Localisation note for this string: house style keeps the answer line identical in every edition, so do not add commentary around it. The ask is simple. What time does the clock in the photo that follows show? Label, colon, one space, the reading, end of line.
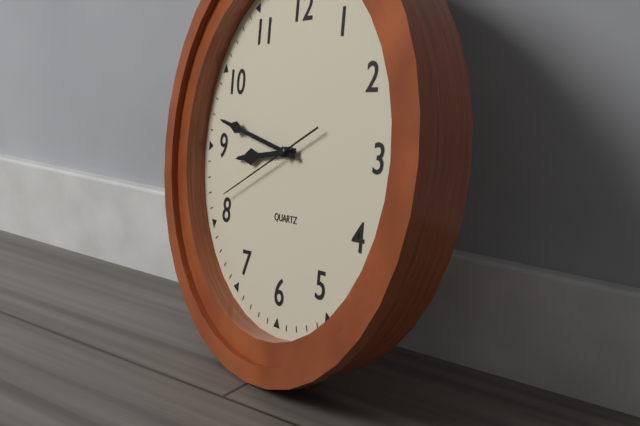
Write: 8:47:41
